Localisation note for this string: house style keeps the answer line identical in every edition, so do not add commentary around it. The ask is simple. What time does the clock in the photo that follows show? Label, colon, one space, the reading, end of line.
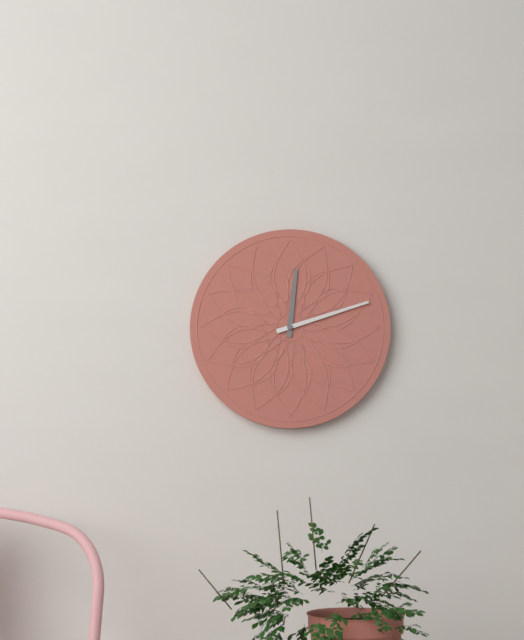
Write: 12:12
